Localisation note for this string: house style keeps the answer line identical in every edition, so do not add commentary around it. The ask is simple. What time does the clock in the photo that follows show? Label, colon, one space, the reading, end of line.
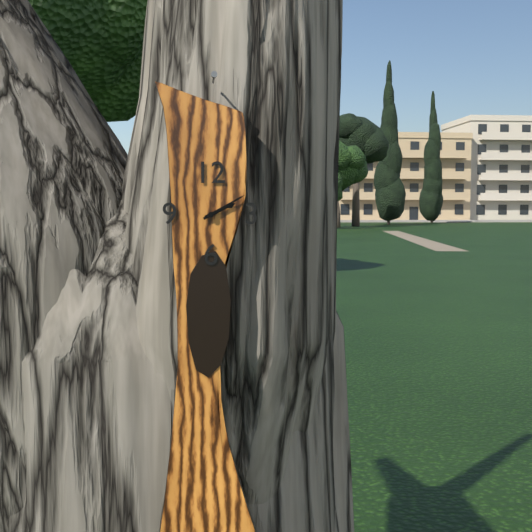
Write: 2:10
